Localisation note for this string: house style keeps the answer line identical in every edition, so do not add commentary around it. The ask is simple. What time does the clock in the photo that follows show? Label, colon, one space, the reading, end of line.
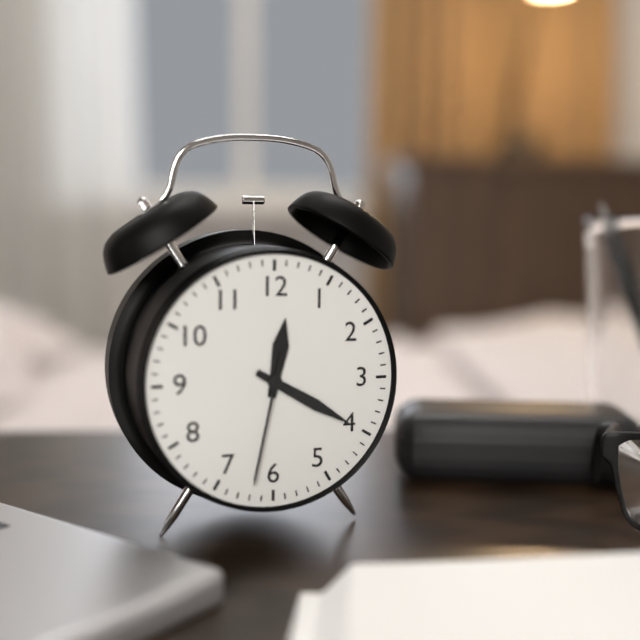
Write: 12:20:32
